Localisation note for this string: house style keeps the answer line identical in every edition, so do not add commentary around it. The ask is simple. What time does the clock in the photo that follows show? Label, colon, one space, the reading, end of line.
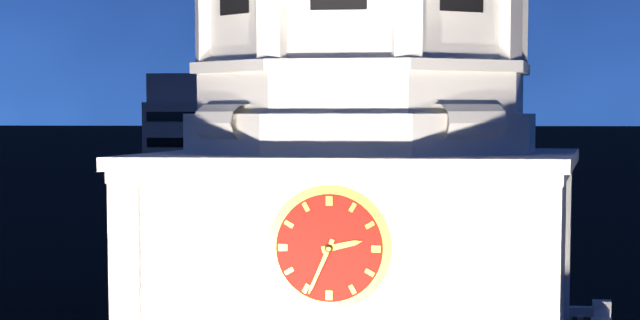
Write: 2:34
